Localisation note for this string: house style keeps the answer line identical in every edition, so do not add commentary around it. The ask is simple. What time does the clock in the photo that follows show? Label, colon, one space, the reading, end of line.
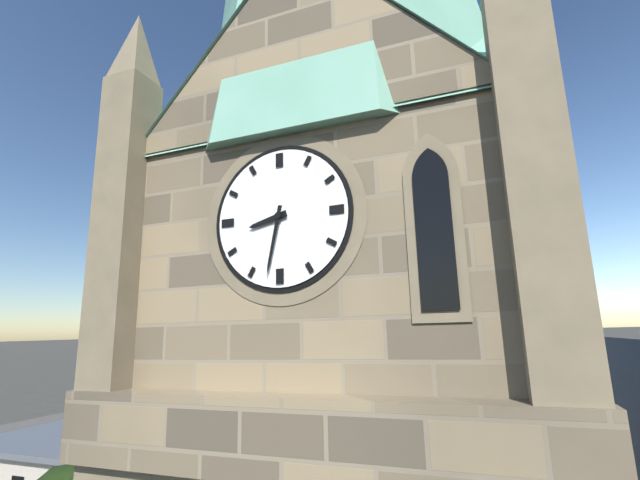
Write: 8:32
